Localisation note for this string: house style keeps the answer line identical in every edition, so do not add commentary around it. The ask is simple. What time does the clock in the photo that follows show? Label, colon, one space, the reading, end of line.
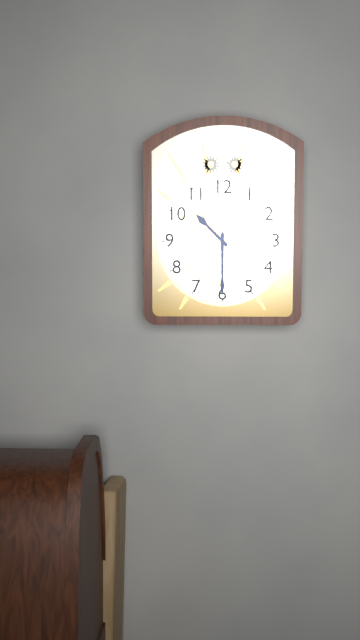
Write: 10:30
